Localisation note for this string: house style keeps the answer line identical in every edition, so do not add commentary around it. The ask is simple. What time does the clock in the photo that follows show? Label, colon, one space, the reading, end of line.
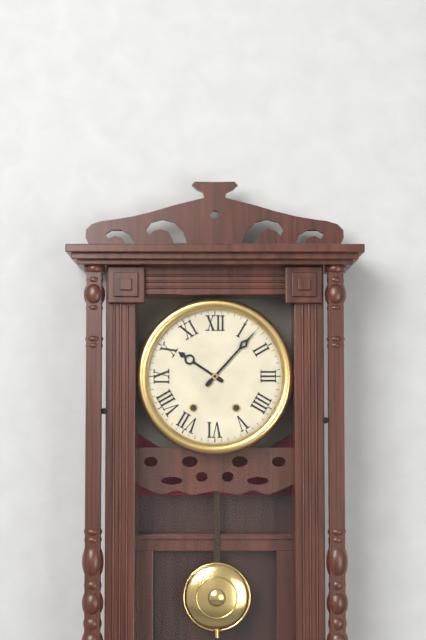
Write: 10:07
